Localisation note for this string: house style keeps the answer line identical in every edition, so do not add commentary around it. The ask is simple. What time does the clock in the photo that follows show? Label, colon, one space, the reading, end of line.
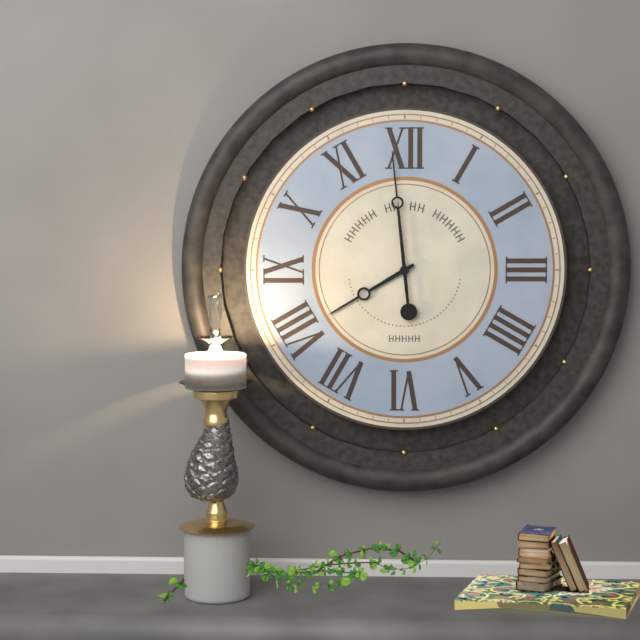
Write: 7:59
